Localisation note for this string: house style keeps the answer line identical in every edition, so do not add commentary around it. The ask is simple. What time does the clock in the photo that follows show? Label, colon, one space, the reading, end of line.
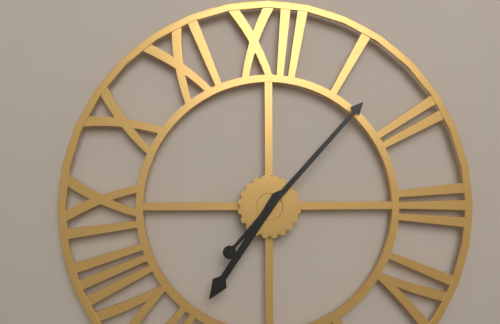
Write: 7:07
